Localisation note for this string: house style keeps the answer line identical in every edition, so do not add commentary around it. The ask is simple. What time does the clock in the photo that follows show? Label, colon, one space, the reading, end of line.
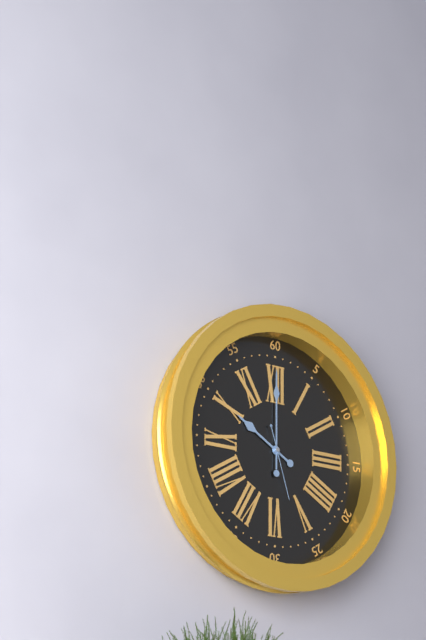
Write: 10:00:27
